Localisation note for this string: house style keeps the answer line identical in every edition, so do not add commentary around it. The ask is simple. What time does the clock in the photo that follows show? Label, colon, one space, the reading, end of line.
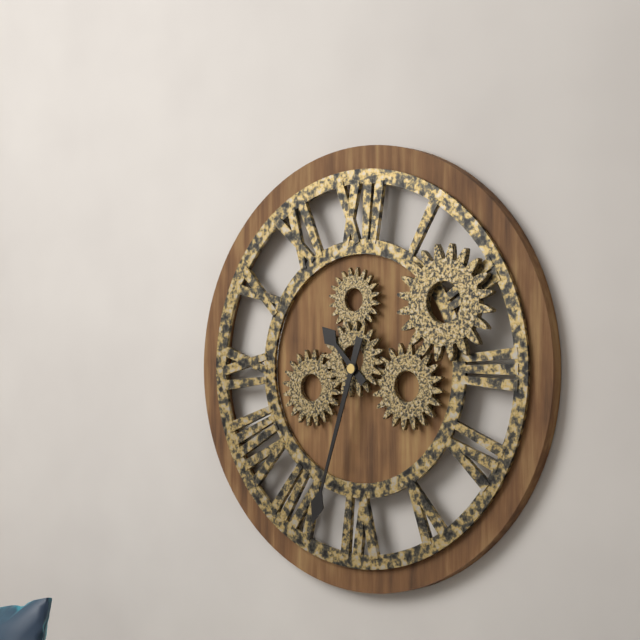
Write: 10:33
